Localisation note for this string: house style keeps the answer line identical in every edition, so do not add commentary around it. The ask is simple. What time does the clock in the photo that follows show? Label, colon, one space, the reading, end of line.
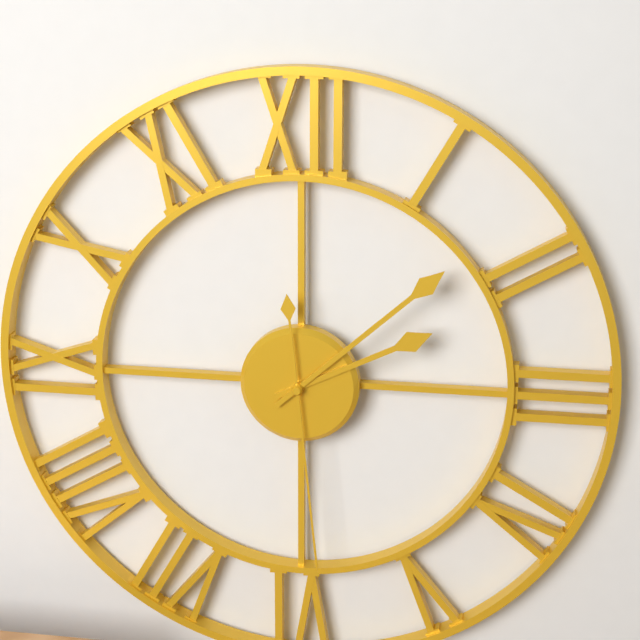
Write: 2:08:29
